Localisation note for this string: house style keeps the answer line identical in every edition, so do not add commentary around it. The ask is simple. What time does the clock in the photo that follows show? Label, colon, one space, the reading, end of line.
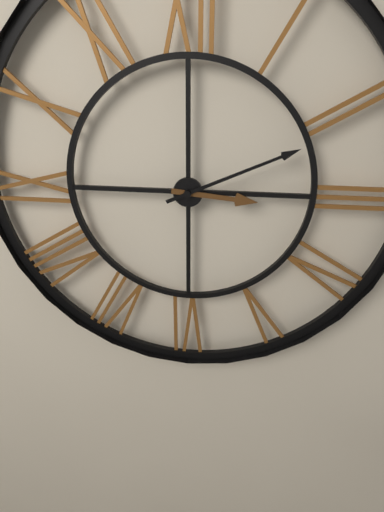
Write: 3:11
